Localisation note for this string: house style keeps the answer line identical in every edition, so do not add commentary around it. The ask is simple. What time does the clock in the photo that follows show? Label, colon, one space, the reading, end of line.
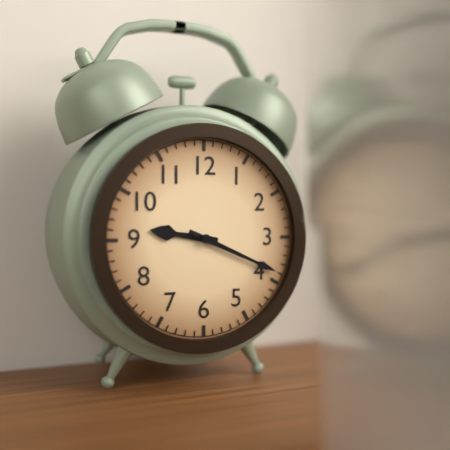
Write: 9:19
